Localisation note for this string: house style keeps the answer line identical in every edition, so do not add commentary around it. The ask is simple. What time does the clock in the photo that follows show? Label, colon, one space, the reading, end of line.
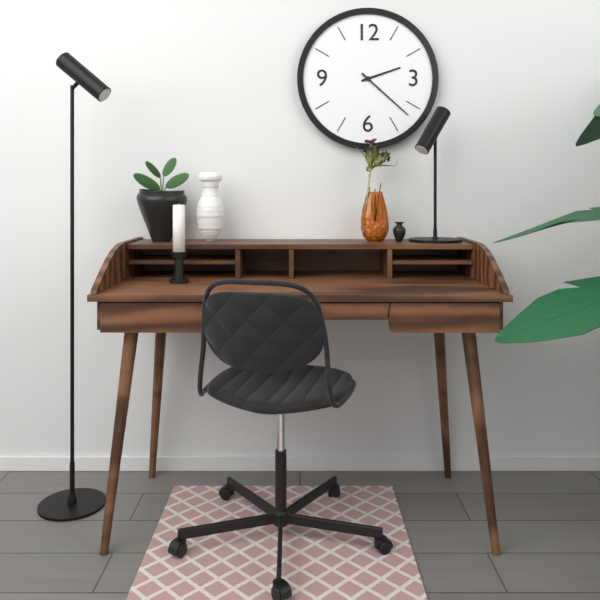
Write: 2:22
